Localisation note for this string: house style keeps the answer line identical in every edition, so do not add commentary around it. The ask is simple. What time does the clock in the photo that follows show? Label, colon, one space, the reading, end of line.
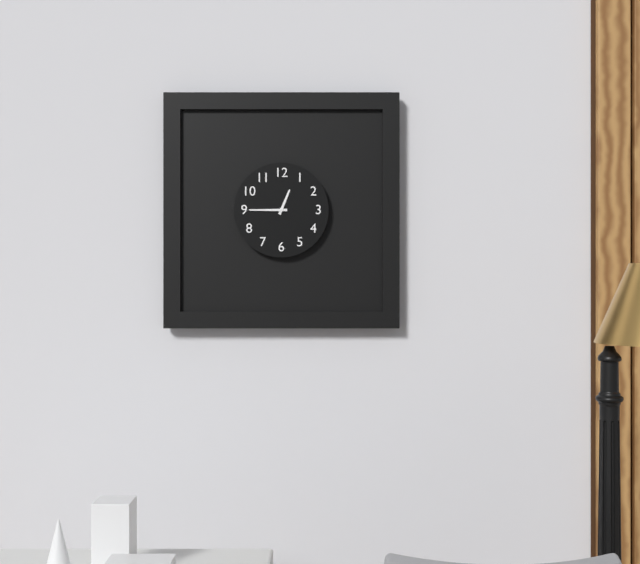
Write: 12:45
